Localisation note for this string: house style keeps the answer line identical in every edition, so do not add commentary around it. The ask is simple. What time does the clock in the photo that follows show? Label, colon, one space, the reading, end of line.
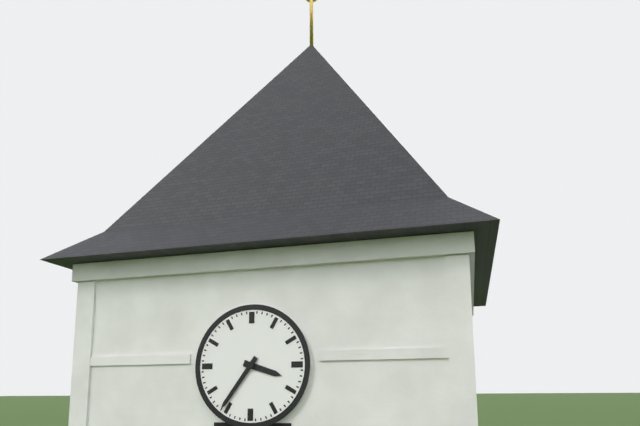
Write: 3:36
